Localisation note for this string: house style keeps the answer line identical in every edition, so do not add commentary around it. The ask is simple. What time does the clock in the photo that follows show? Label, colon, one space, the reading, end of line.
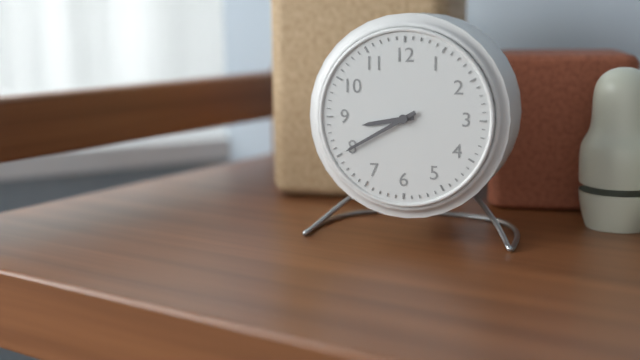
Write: 8:40
